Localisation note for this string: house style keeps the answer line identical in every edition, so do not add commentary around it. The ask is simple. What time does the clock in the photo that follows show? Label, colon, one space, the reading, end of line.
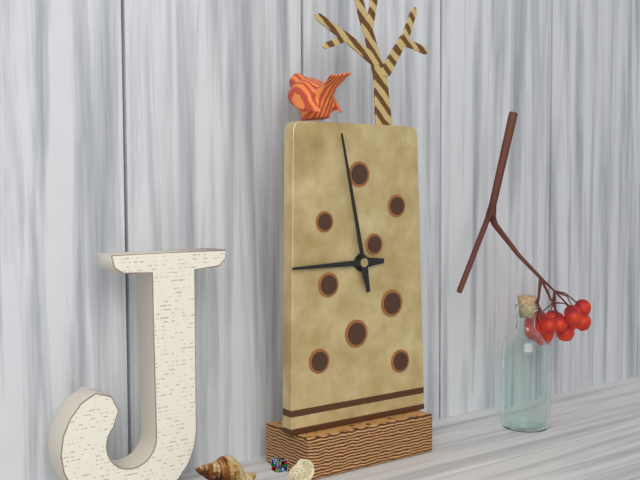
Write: 8:58
